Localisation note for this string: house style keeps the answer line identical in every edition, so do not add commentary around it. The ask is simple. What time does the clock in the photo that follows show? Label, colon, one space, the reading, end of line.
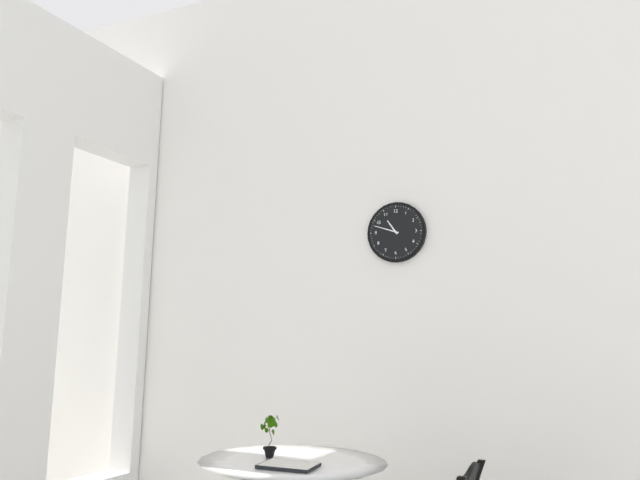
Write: 10:48
